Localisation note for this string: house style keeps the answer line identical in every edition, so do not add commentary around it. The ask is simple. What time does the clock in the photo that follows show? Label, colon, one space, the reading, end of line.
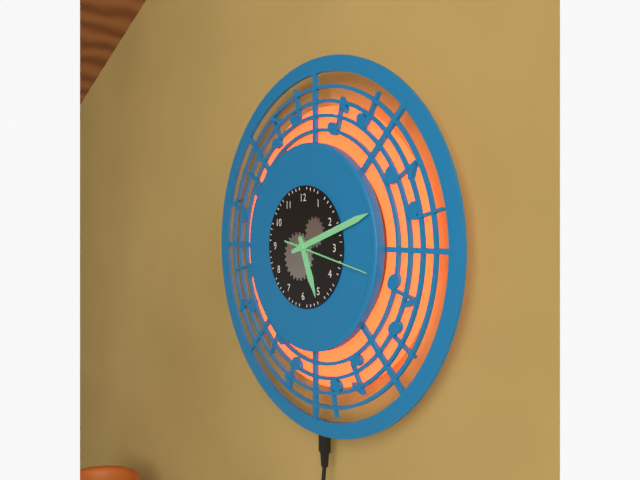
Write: 5:12
